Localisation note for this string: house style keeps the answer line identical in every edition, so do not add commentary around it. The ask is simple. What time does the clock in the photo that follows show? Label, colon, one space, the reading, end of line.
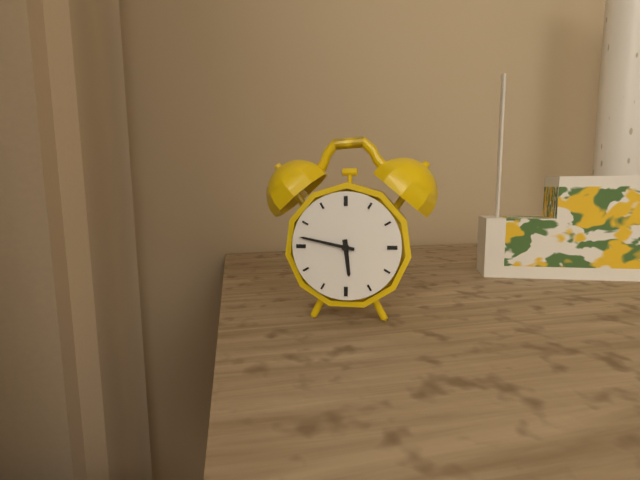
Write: 5:47
